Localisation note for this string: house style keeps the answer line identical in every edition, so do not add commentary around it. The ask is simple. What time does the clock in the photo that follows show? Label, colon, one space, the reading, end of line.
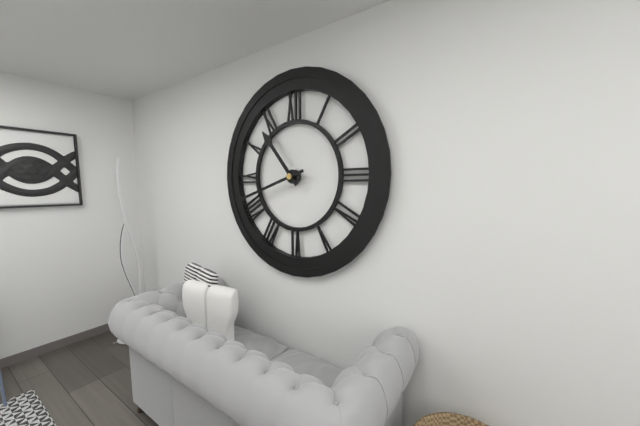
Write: 10:42
